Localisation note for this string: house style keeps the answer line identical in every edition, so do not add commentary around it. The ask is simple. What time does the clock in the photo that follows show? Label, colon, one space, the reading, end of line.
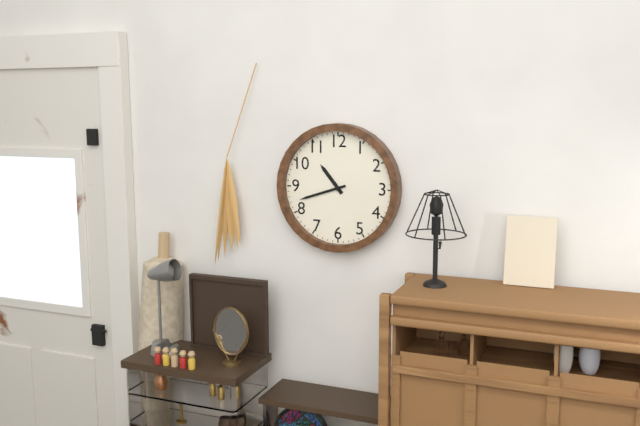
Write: 10:42
